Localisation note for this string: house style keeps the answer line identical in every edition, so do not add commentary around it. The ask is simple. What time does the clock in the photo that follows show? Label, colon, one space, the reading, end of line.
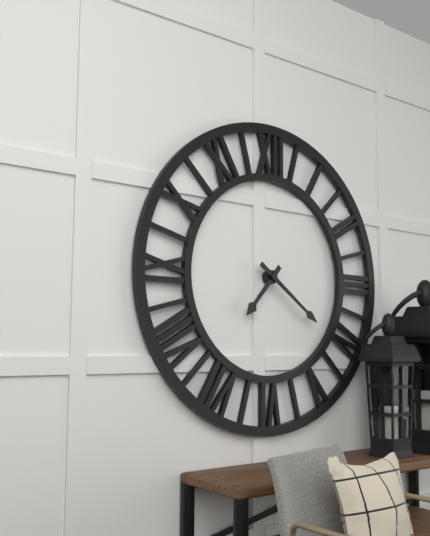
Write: 7:21
